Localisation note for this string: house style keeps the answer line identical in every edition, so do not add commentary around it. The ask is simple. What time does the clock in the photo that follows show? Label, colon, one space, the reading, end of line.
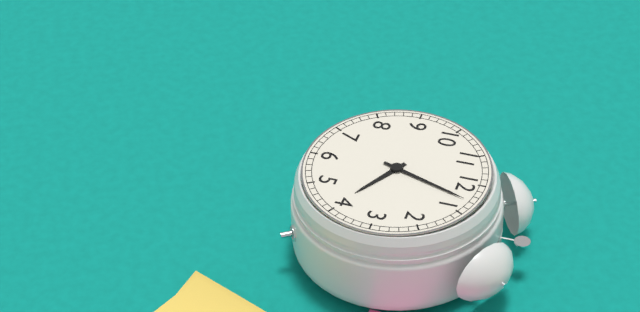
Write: 4:03
